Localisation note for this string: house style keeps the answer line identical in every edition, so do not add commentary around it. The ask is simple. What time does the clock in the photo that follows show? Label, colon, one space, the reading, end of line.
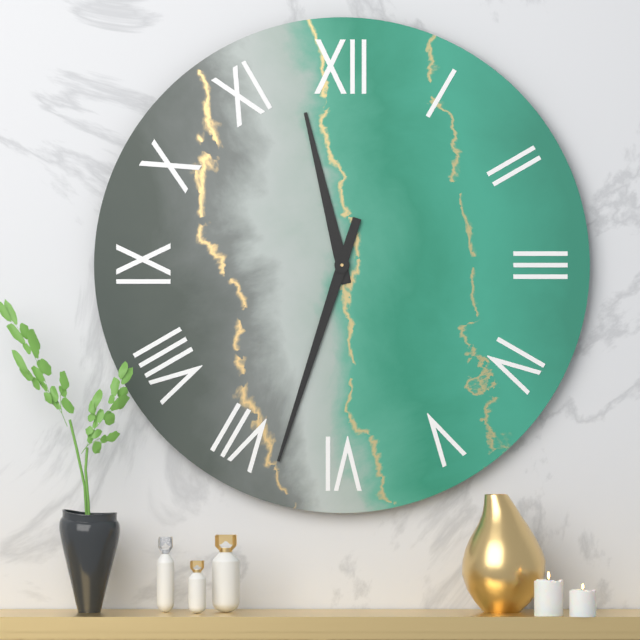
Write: 11:33
